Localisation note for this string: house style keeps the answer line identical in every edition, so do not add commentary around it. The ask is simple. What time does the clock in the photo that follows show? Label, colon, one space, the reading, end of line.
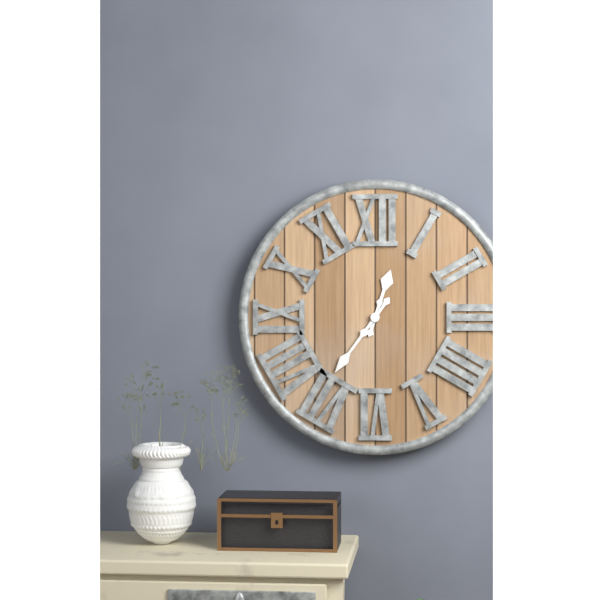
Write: 12:36
